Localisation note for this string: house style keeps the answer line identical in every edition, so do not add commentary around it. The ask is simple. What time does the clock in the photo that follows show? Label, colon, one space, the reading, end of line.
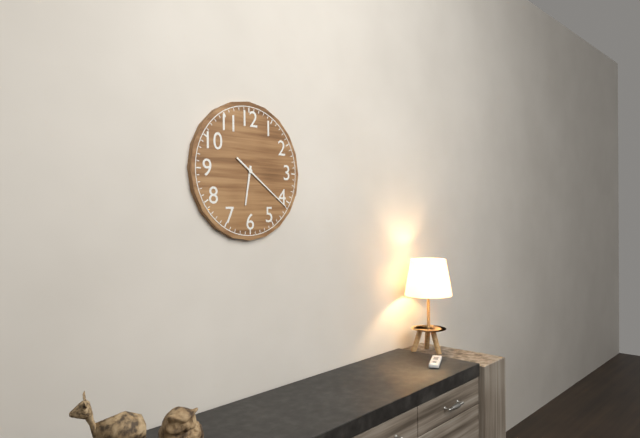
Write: 6:21
